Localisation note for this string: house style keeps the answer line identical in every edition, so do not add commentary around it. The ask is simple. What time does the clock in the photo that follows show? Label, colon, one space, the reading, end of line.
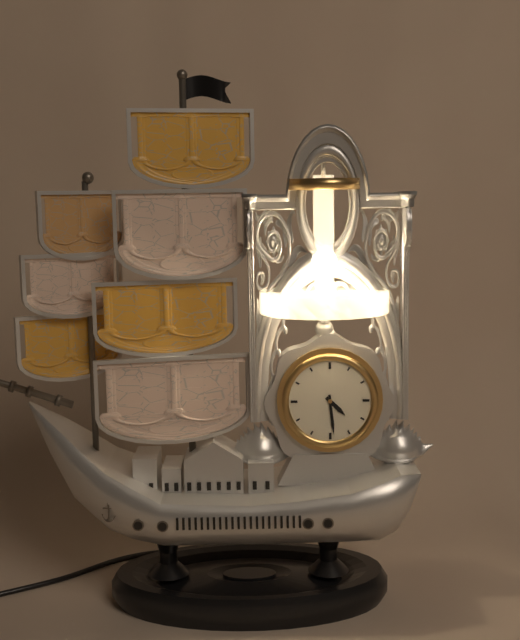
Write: 4:29
